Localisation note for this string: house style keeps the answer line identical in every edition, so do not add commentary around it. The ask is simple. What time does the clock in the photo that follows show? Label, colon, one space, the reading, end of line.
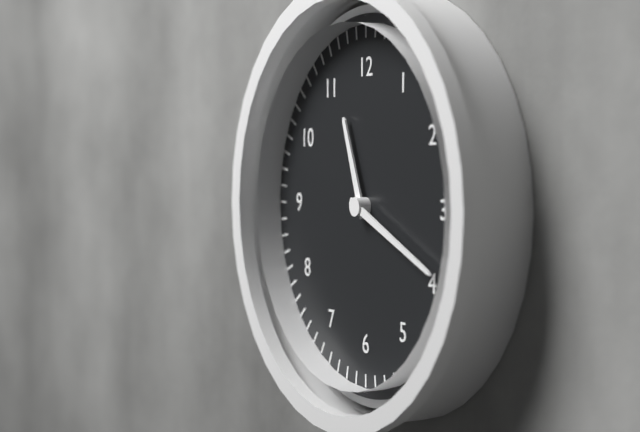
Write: 11:19
